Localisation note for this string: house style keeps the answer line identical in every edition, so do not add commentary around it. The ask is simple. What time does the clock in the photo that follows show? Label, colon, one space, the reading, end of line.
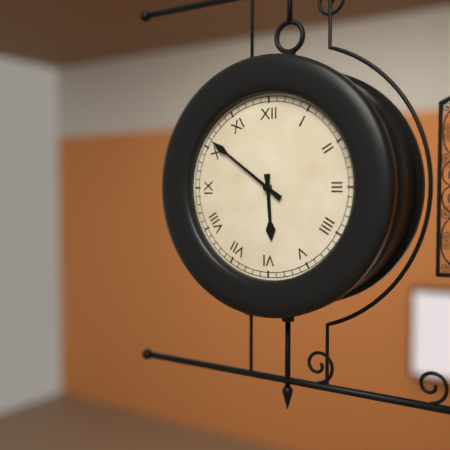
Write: 5:51
